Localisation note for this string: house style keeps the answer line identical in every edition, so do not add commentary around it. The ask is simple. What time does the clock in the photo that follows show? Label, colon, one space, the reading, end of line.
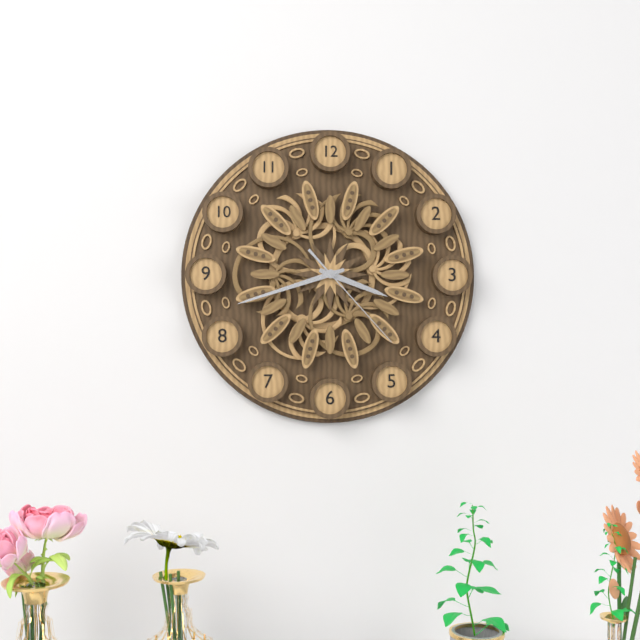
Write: 3:42:23
